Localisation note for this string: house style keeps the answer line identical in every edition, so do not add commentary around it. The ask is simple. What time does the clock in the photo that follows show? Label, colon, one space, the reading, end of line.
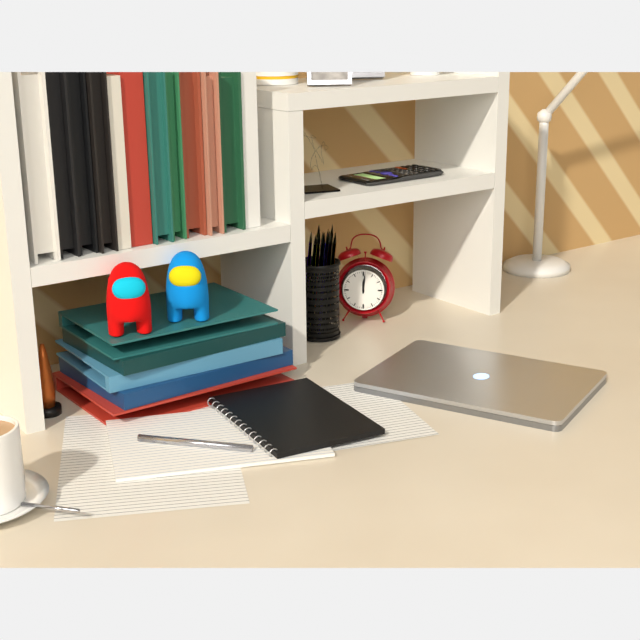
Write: 12:01
